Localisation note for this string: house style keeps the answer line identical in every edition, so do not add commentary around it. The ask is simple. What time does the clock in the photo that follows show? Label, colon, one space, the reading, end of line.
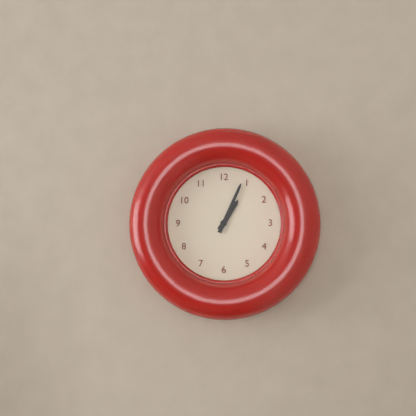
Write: 1:04
